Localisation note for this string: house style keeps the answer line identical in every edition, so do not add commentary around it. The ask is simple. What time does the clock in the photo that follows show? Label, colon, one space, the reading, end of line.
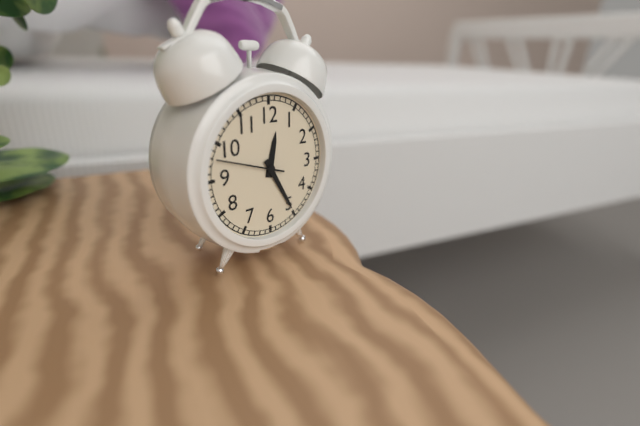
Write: 12:25:48
